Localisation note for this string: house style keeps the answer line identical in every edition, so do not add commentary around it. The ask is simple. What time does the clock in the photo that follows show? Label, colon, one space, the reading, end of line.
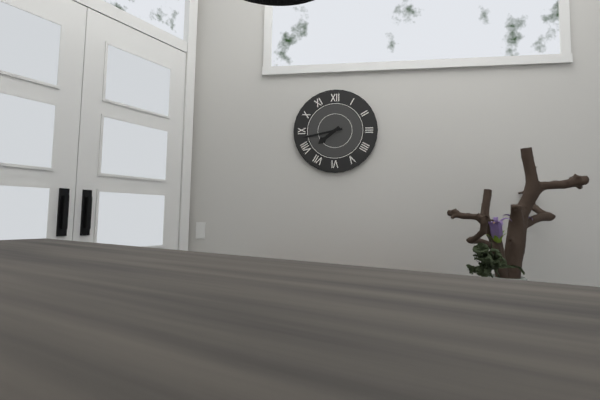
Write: 7:43
